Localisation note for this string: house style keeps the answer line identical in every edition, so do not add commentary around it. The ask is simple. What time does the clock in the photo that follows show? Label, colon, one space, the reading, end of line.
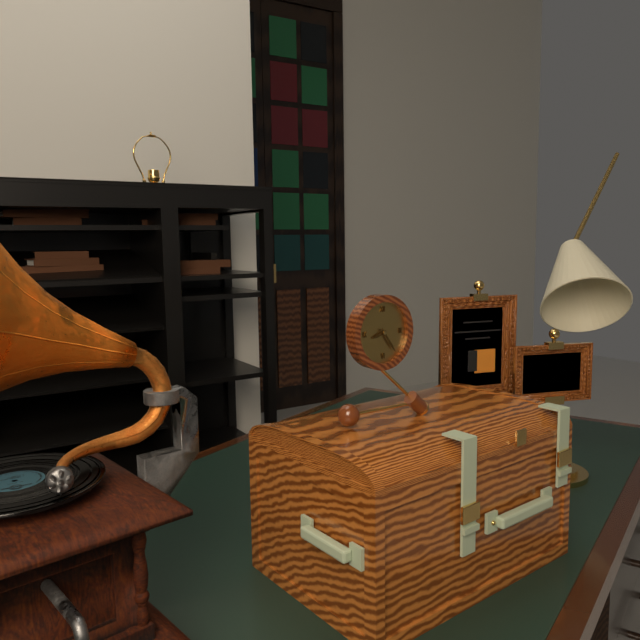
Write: 8:24
